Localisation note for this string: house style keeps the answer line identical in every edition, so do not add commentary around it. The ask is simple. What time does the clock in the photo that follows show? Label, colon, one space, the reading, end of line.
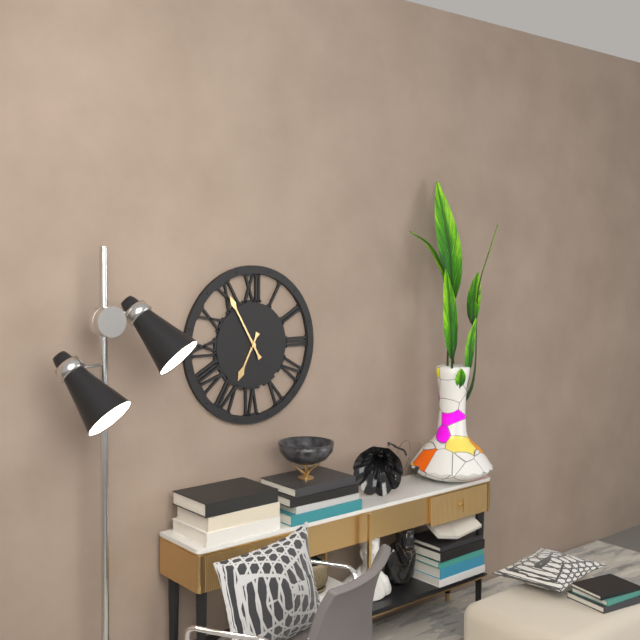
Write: 6:55
